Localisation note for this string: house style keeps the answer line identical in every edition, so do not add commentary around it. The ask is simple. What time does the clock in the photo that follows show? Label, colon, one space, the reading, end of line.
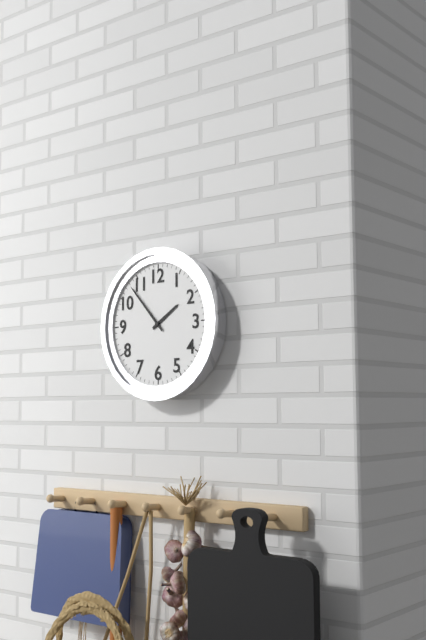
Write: 1:53
